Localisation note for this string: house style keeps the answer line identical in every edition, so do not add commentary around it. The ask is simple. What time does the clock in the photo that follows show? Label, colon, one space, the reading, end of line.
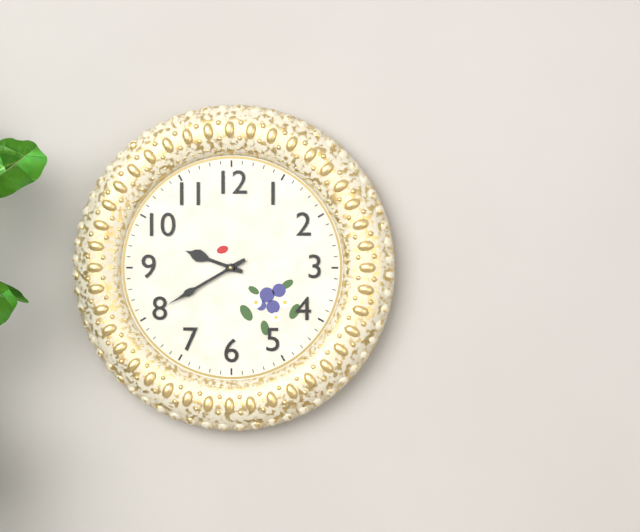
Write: 9:40
